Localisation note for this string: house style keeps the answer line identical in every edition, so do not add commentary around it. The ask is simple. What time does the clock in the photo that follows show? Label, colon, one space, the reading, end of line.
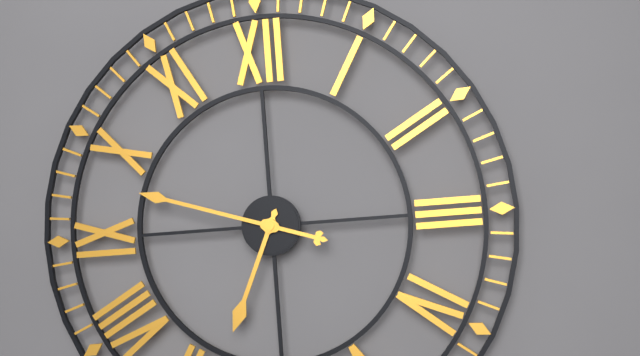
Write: 6:48
